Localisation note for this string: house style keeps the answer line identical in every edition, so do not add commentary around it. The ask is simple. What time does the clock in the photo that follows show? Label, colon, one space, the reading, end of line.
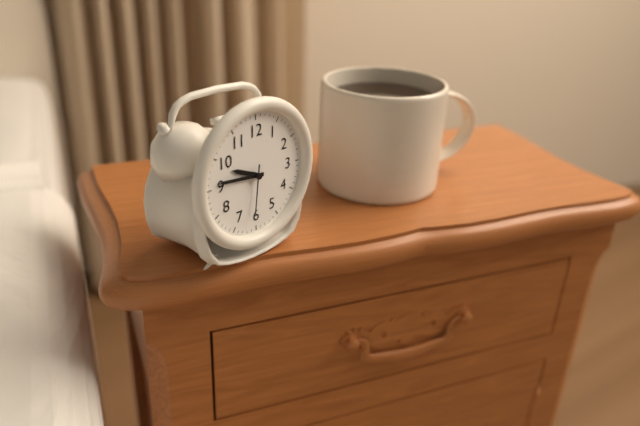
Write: 9:46
